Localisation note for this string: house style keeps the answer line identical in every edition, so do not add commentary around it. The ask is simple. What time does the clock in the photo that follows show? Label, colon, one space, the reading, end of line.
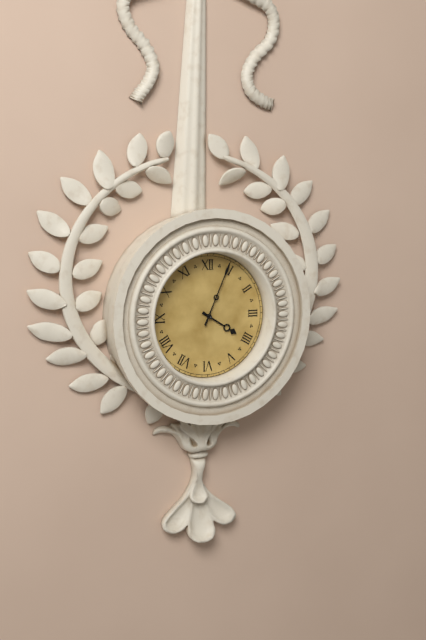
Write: 4:04
